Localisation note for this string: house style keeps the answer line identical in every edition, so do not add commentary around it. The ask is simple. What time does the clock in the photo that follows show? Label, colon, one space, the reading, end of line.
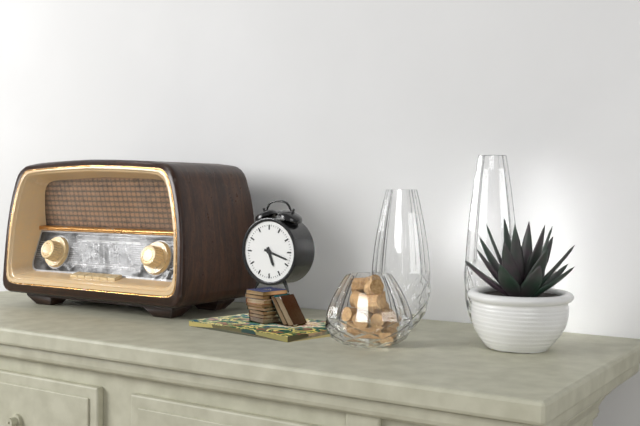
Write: 5:18
